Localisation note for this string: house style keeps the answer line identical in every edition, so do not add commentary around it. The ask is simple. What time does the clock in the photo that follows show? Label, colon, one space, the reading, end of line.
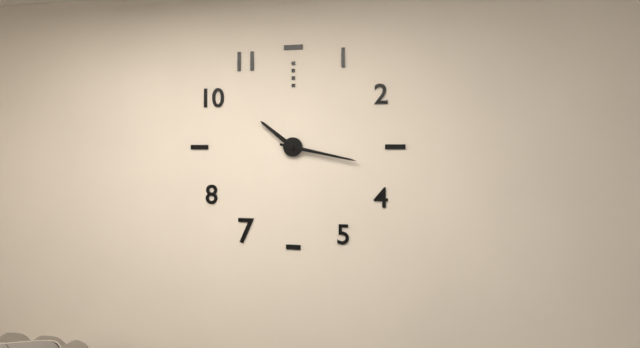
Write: 10:17
